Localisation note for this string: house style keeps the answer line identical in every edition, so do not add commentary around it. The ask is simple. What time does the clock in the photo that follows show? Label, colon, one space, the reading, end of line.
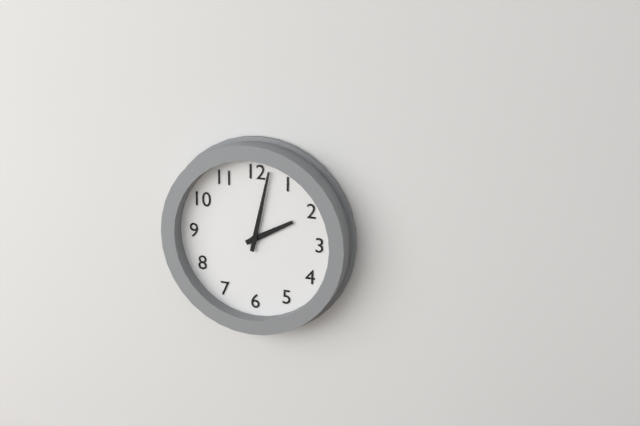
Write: 2:02
